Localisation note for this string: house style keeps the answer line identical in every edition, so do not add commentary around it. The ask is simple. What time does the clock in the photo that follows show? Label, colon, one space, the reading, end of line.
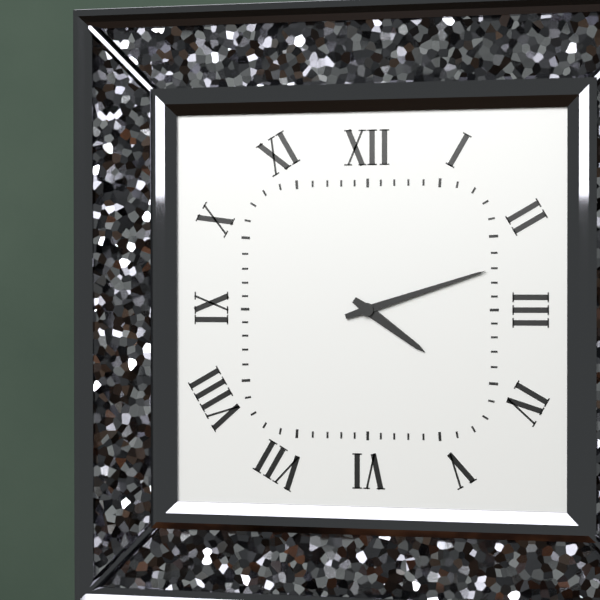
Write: 4:12
